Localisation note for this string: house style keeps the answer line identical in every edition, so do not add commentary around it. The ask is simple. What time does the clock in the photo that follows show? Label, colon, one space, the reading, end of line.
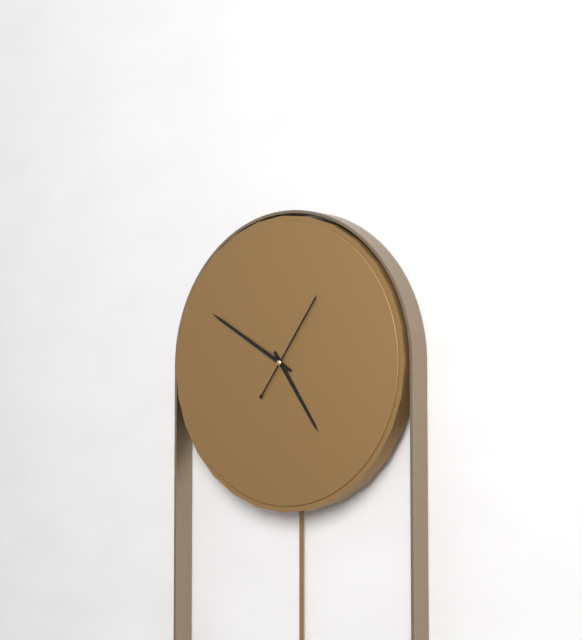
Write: 4:50:06
